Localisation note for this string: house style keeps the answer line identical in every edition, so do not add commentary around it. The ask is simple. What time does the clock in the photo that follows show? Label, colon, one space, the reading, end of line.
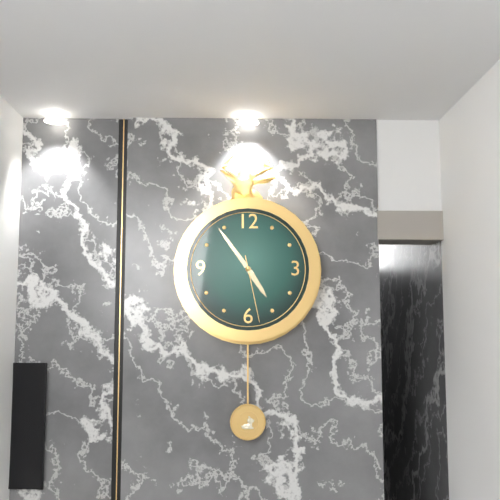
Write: 4:54:28
